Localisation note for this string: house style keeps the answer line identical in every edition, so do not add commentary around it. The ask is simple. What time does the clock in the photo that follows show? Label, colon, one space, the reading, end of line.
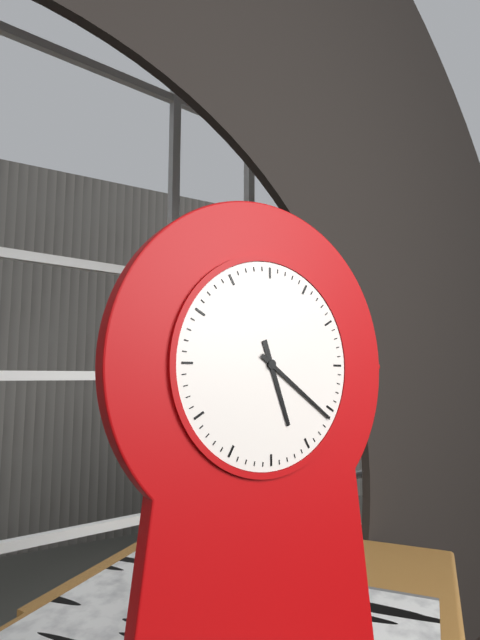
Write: 5:21
